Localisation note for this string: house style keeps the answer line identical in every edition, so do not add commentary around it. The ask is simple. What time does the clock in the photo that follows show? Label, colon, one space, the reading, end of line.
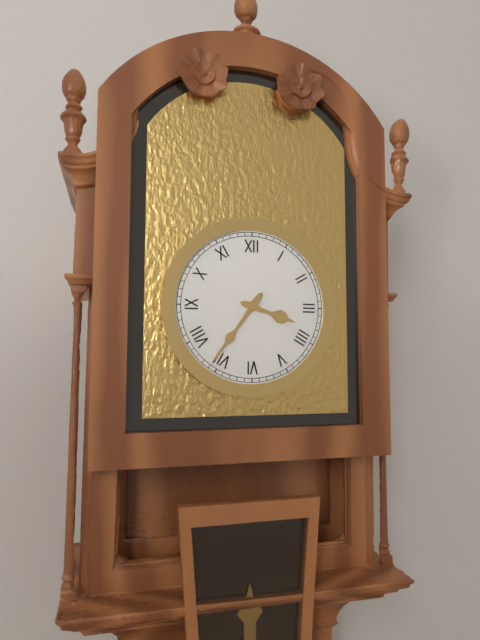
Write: 3:36
